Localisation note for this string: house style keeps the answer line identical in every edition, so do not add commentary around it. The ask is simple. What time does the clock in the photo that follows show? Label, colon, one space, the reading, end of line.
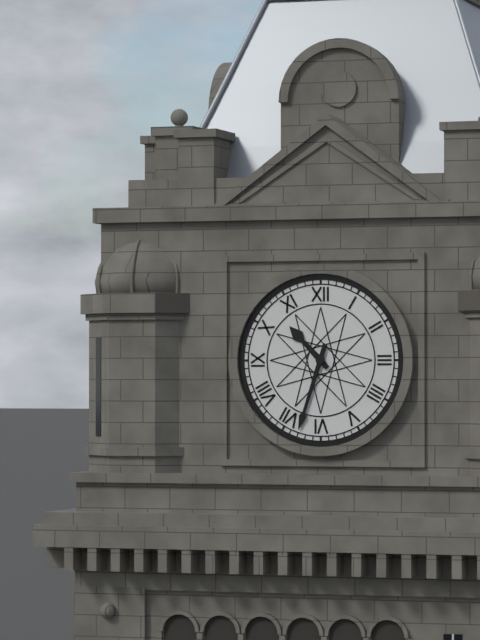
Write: 10:33
